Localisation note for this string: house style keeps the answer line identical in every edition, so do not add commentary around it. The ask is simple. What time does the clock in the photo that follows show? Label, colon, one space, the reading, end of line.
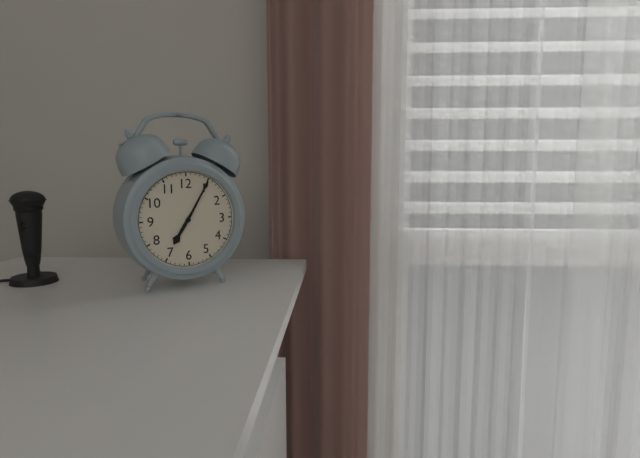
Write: 7:05
